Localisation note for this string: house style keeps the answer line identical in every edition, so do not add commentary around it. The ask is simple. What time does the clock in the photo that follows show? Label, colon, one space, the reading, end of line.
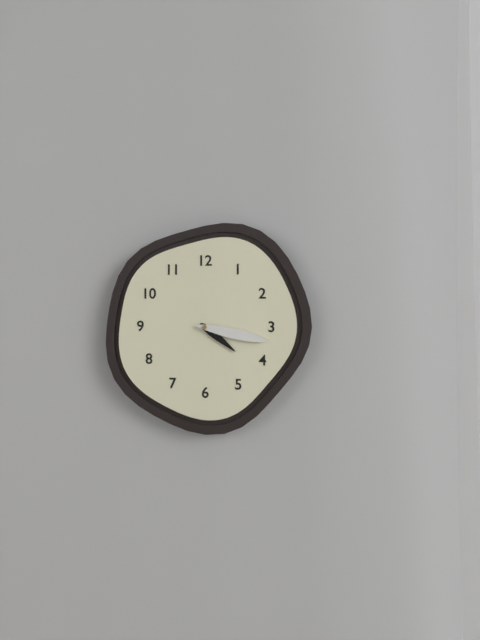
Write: 4:17
